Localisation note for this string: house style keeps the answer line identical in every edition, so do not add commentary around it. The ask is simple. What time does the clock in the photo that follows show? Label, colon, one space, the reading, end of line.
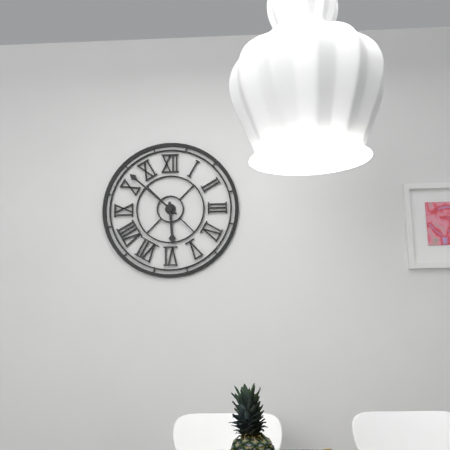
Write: 5:52
